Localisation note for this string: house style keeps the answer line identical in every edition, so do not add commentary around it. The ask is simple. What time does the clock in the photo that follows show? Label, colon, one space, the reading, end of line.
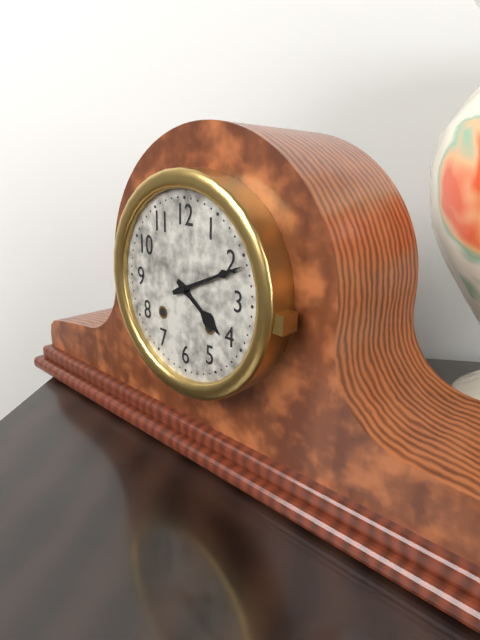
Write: 4:11
